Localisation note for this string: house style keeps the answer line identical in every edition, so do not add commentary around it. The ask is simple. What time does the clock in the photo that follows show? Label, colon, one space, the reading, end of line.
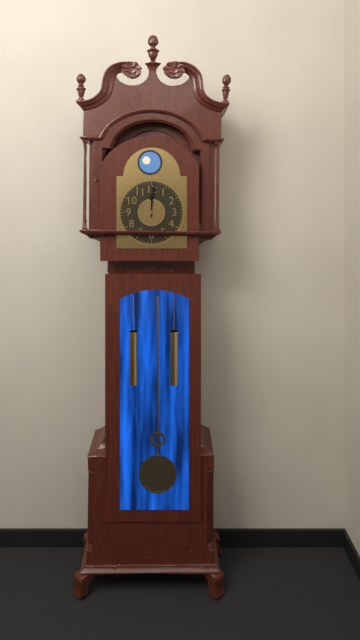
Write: 12:01
